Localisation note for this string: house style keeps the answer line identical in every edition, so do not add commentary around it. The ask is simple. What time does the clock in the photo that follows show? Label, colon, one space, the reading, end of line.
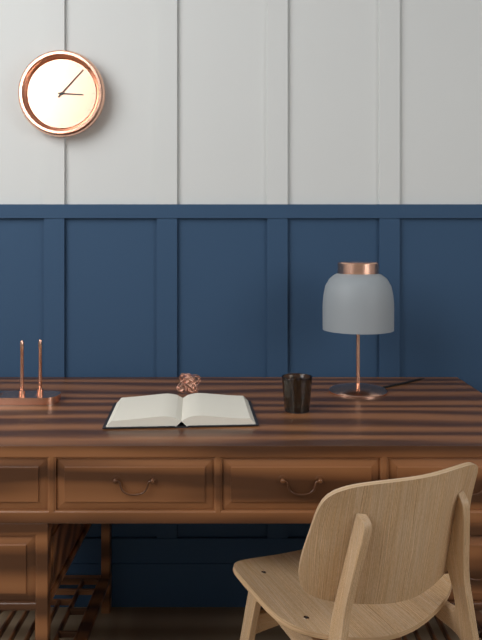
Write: 3:07
